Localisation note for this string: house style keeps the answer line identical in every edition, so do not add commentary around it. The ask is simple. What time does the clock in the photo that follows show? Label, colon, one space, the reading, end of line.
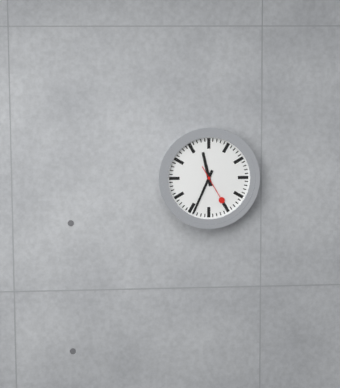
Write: 11:34
